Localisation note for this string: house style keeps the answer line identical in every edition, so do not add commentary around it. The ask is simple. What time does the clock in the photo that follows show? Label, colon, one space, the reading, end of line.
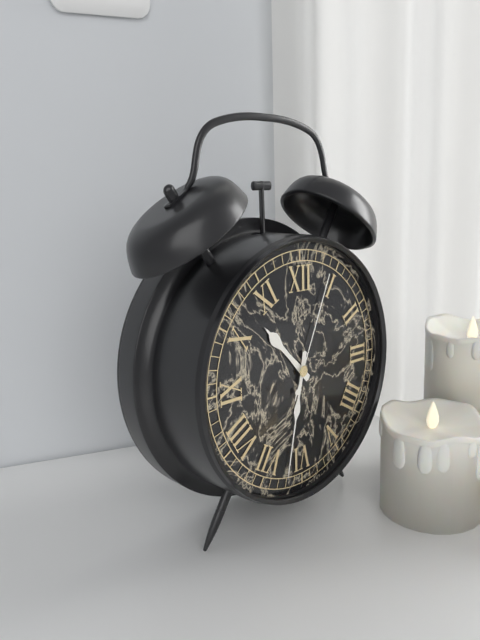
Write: 10:32:04
